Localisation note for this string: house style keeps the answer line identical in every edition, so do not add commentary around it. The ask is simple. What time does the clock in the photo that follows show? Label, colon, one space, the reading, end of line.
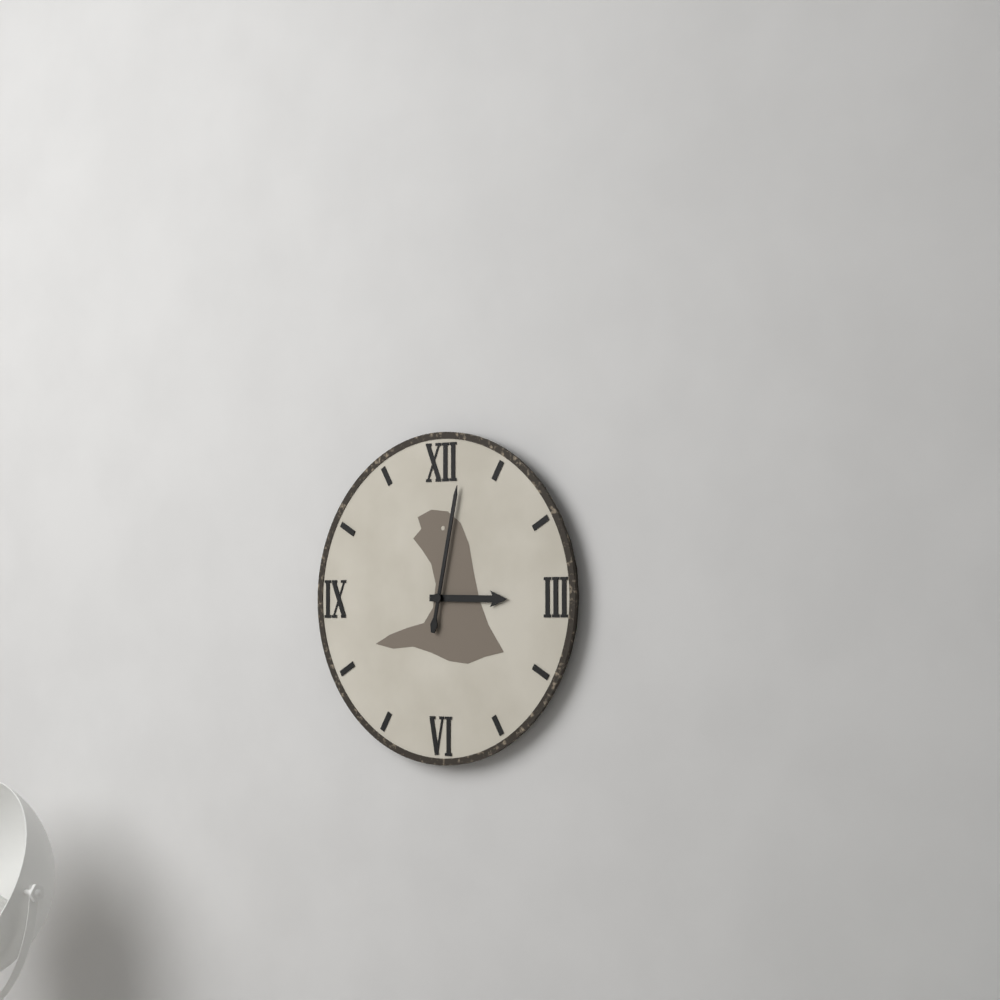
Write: 3:02
